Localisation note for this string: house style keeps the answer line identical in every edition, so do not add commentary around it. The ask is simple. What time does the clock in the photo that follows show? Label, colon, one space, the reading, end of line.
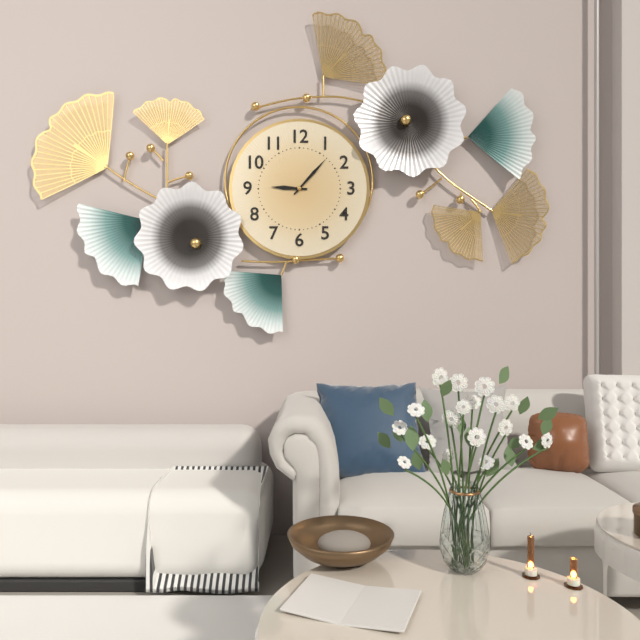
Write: 9:07
